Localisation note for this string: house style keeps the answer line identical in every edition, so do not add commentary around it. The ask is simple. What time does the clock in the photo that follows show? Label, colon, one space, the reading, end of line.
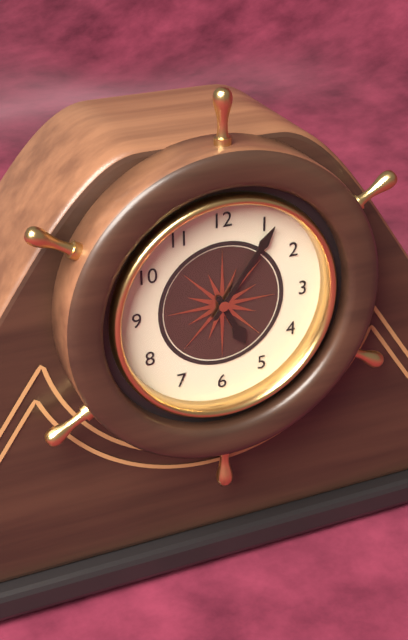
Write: 5:06
